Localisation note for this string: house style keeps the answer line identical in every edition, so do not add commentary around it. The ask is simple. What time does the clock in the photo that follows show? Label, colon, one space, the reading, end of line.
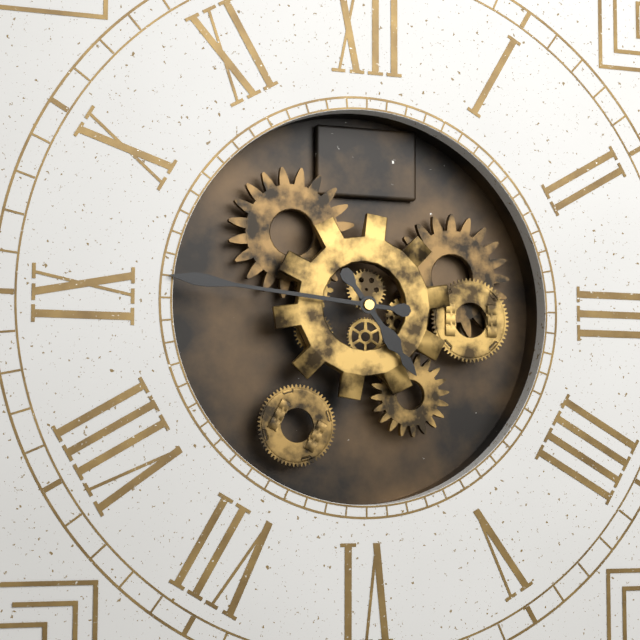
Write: 4:46
